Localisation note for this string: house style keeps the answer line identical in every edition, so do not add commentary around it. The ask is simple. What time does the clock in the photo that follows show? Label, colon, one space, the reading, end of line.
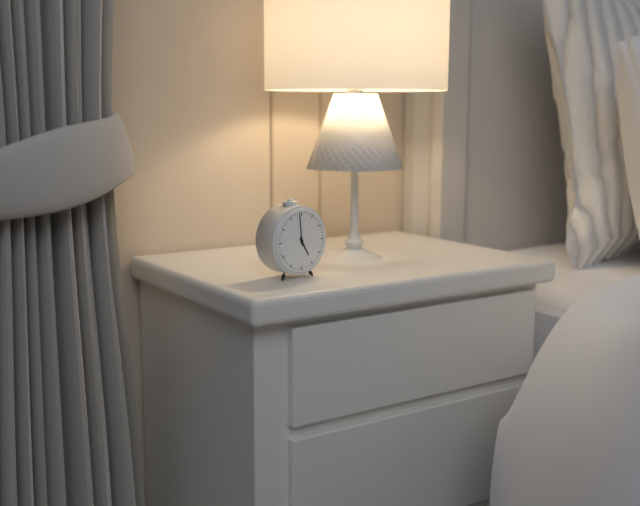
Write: 4:59
